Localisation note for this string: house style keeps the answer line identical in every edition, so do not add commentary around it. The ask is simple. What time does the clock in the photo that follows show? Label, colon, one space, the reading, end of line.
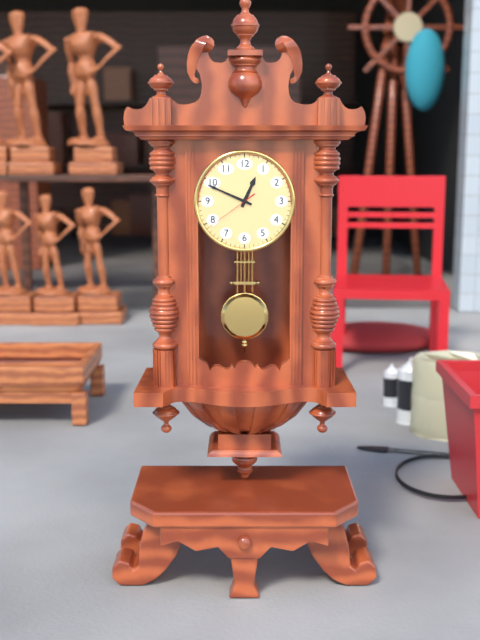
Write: 12:49:39
